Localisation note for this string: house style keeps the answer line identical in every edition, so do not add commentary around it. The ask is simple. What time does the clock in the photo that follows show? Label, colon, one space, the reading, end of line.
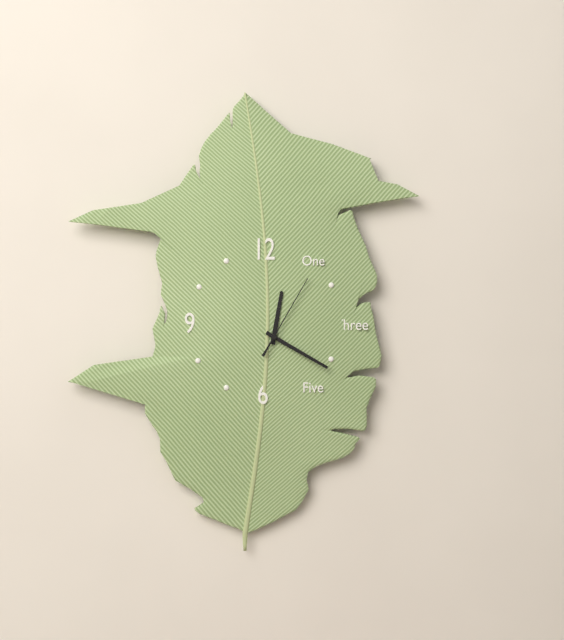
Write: 12:20:05
